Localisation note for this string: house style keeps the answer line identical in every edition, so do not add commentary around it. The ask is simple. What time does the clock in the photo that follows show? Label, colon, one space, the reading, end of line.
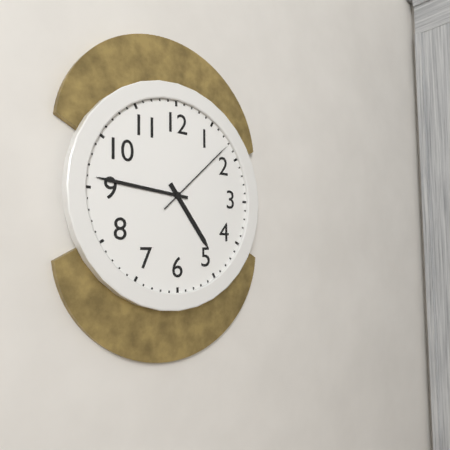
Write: 4:46:08
